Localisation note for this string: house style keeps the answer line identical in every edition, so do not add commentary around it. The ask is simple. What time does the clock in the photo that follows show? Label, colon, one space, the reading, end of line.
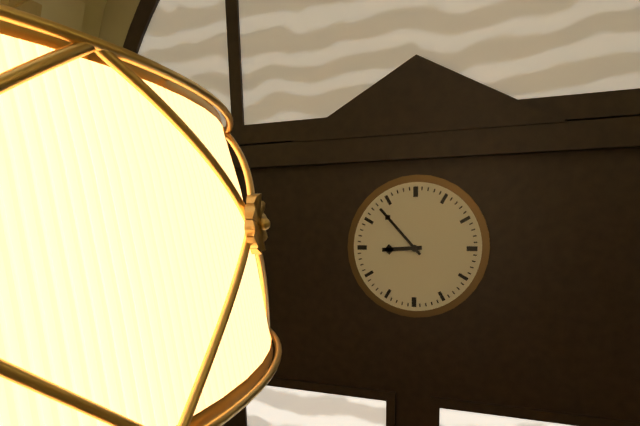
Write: 8:53
